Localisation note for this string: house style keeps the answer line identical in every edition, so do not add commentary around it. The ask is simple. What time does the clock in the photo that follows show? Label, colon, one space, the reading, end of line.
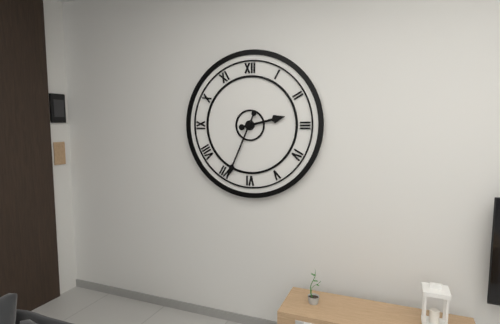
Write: 2:34
